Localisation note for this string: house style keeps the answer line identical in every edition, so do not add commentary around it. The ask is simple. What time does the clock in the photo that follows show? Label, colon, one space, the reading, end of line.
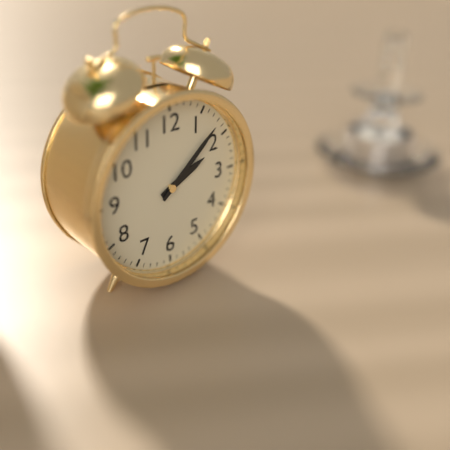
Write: 2:08
